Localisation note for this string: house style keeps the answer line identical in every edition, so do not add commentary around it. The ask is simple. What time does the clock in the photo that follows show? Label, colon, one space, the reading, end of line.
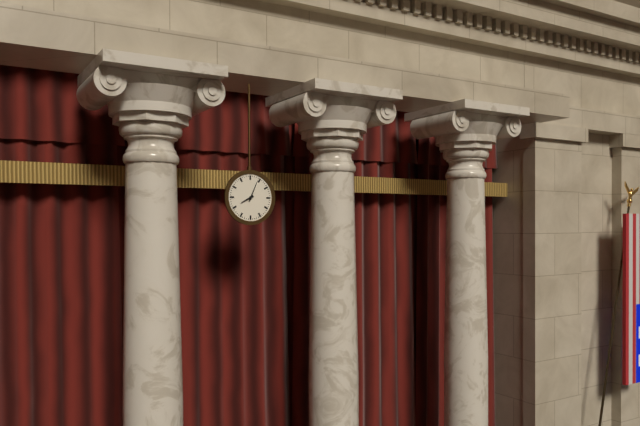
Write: 8:04
